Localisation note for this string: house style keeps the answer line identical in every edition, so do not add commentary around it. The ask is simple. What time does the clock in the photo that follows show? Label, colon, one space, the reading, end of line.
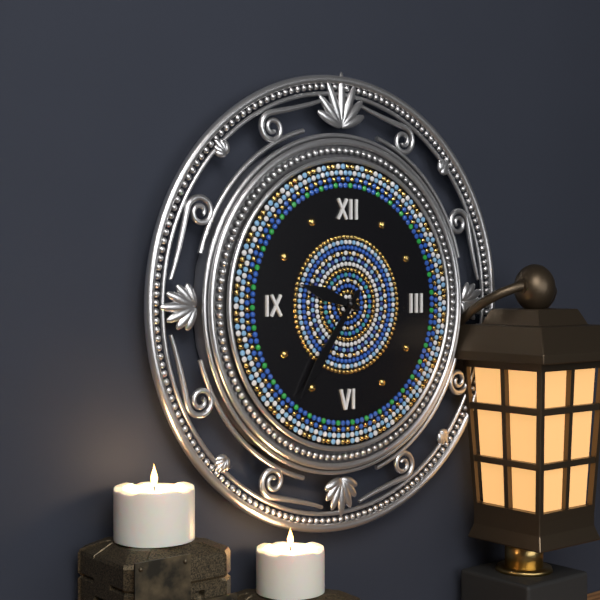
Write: 9:36
